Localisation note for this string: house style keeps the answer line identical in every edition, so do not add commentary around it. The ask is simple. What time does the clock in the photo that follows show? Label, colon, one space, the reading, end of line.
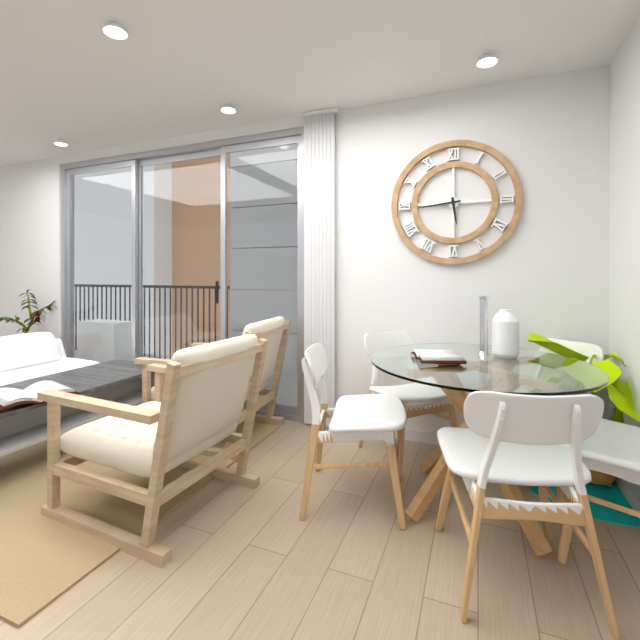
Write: 5:44
